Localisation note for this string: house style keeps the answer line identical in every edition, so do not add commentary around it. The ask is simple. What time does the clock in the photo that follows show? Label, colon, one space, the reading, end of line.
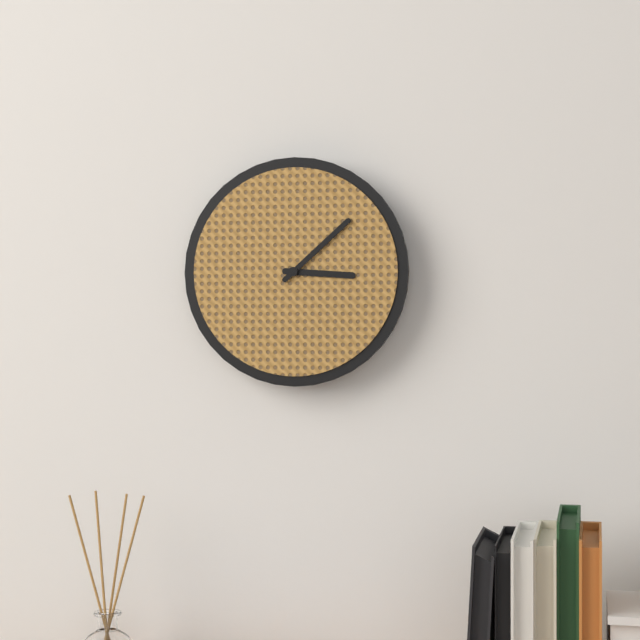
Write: 3:08
